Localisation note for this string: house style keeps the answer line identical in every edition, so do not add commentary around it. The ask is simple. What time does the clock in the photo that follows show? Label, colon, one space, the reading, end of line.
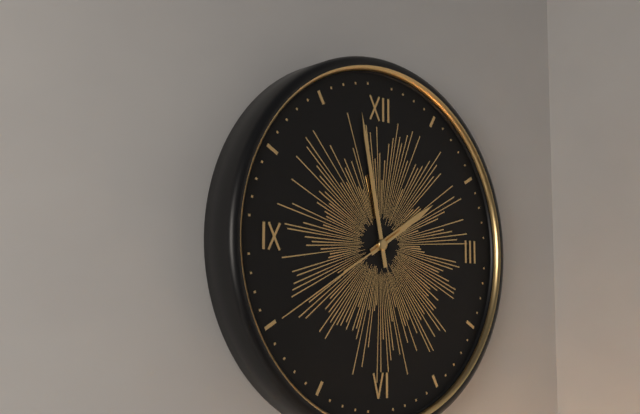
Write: 1:58:40
